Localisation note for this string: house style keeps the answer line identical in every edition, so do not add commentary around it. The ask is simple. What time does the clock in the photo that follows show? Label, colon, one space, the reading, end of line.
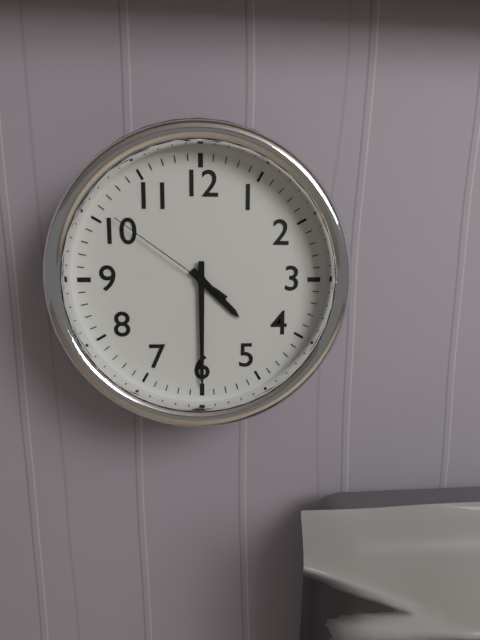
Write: 4:30:51
